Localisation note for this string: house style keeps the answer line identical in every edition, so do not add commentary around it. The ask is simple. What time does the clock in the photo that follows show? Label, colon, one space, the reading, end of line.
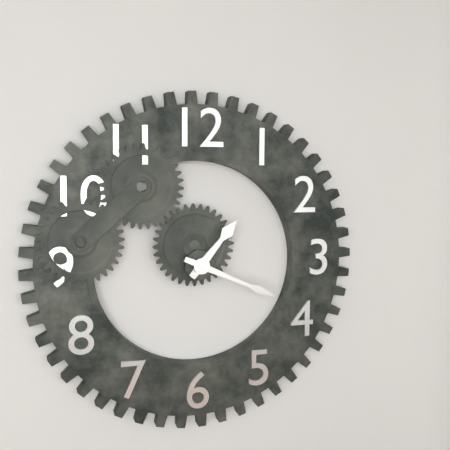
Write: 1:19
